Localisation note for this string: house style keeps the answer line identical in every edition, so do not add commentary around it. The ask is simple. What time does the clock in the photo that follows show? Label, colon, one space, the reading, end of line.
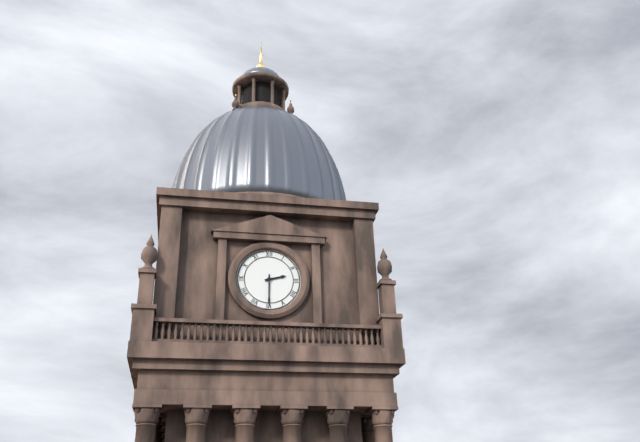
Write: 2:30
